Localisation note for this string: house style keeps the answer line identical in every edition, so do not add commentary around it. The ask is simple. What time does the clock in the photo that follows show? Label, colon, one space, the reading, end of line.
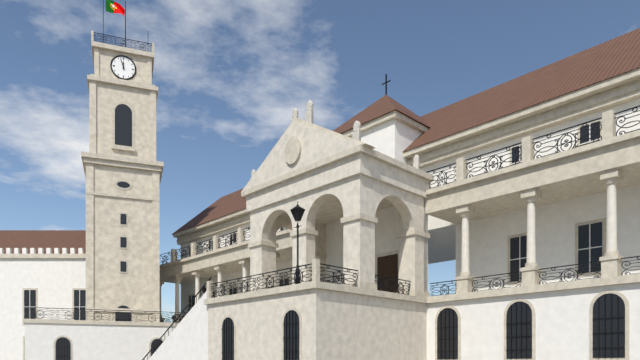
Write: 11:57
